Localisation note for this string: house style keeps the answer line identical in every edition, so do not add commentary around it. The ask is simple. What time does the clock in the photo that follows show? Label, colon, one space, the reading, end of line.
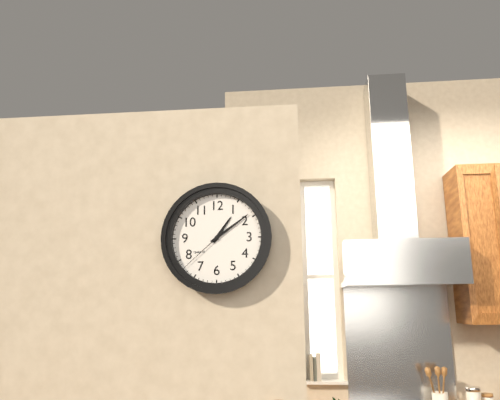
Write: 1:09:38
